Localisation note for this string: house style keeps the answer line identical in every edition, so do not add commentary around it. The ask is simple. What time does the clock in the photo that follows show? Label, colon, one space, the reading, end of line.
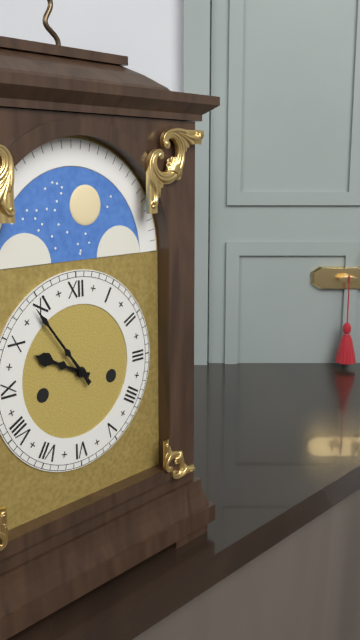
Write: 9:54
